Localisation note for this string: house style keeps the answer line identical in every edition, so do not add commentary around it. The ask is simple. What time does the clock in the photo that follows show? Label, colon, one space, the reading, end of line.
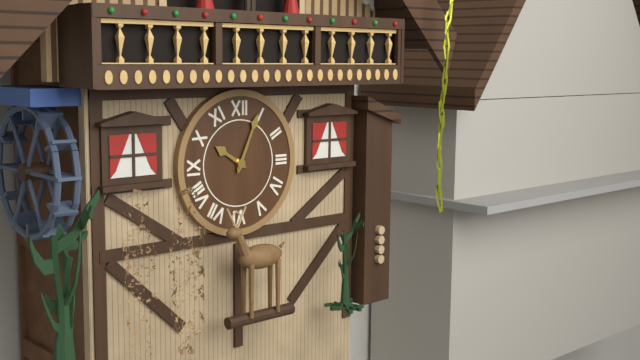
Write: 10:04
